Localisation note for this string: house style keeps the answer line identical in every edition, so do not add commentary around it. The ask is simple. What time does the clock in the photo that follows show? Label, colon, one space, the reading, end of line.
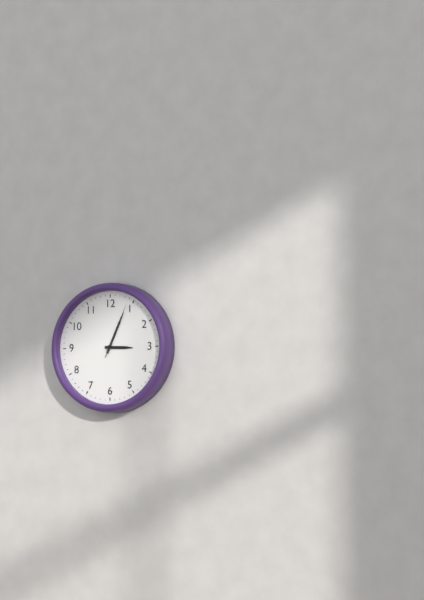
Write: 3:04:04
